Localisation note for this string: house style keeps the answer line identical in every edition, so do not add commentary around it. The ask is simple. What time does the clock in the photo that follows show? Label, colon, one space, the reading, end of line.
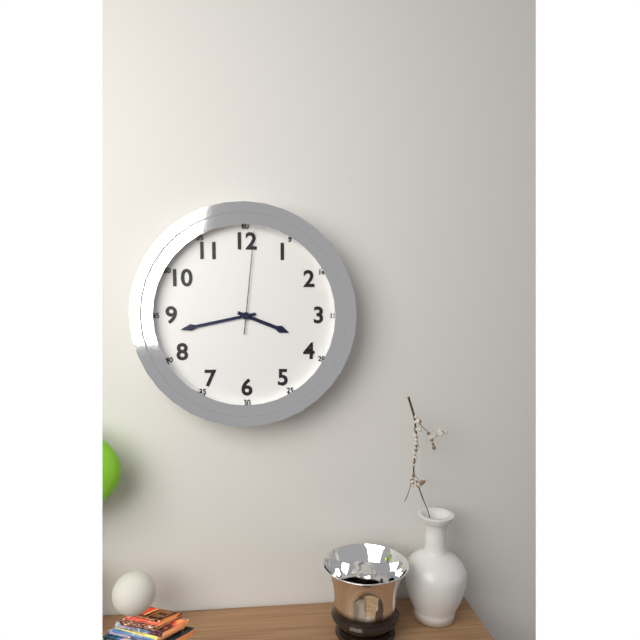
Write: 3:43:01
